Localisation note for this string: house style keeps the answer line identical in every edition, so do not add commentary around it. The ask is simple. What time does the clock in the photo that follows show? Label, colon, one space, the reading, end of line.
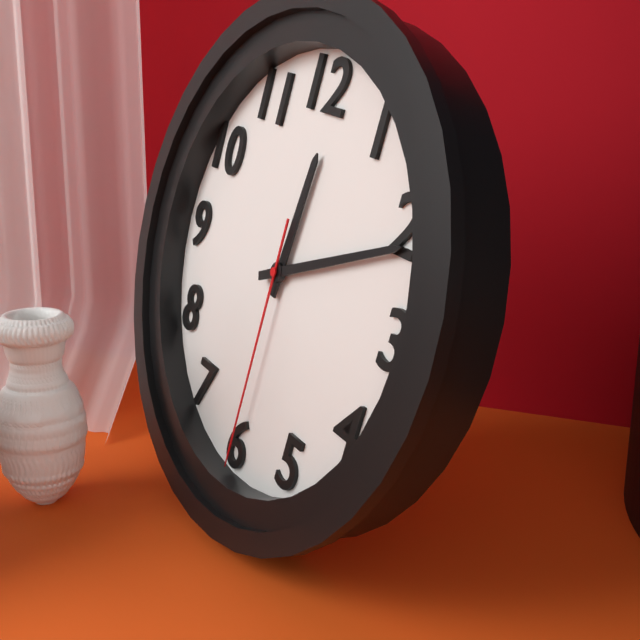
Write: 12:11:30
